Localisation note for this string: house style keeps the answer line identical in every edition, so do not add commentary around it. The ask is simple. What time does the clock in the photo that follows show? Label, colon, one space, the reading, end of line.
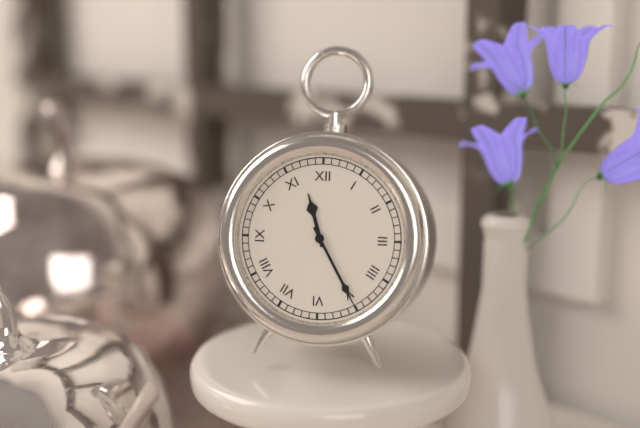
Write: 11:25
